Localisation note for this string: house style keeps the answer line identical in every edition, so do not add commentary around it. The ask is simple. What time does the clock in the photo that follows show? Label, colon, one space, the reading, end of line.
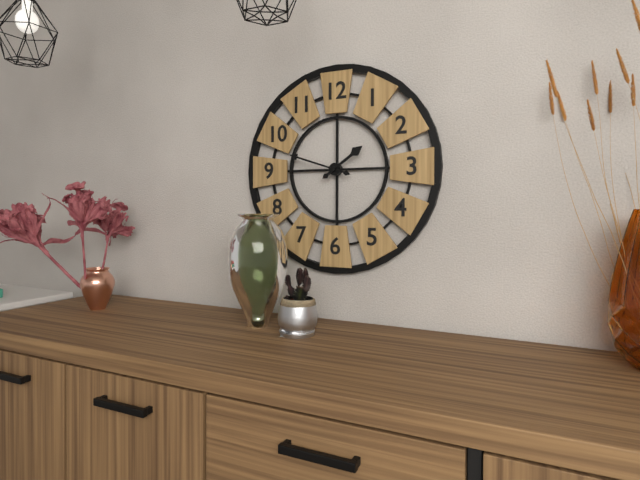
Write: 1:48
